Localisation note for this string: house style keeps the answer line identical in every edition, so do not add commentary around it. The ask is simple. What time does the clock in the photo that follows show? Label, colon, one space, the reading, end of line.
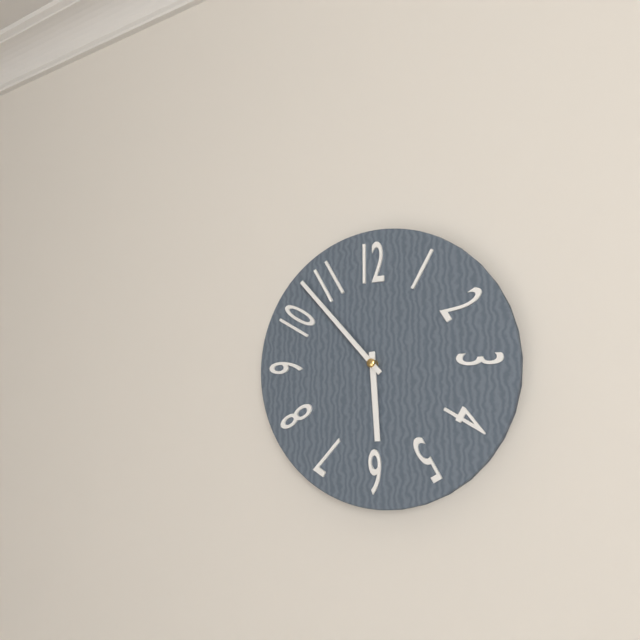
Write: 5:53
